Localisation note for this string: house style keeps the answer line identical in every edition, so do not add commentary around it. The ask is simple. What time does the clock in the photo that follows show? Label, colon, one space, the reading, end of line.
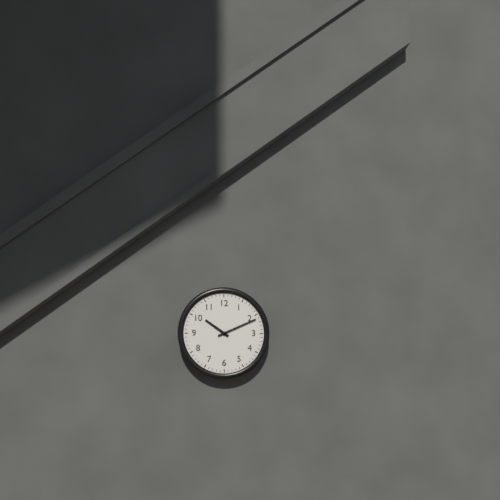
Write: 10:11
